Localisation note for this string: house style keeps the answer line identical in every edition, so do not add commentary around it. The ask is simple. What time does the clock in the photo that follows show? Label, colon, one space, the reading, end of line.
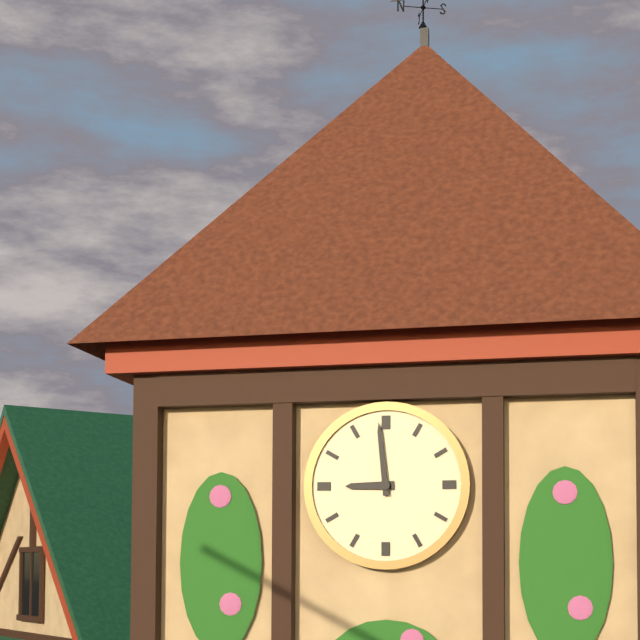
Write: 8:59
